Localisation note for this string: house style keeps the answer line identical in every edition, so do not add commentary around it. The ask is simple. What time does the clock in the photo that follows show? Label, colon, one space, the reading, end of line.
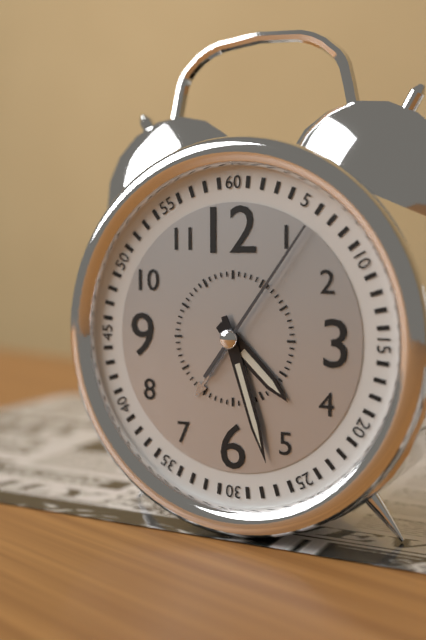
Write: 4:27:06
